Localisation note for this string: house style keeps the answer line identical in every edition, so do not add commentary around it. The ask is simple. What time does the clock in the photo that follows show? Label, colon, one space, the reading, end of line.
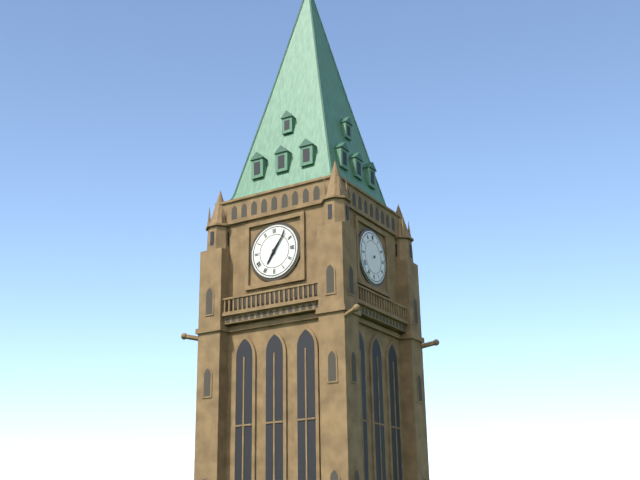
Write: 7:06
